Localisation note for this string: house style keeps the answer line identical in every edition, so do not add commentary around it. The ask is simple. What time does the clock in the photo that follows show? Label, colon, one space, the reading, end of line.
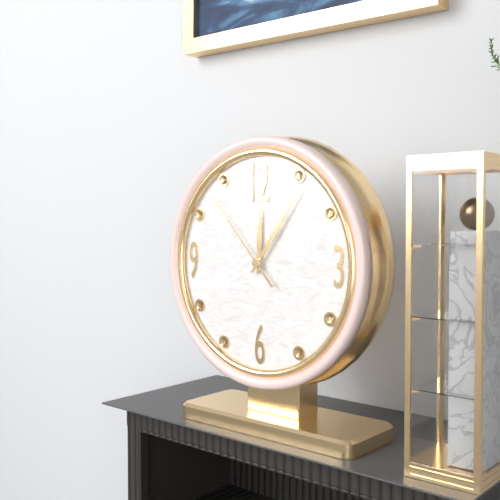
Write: 12:06:53
